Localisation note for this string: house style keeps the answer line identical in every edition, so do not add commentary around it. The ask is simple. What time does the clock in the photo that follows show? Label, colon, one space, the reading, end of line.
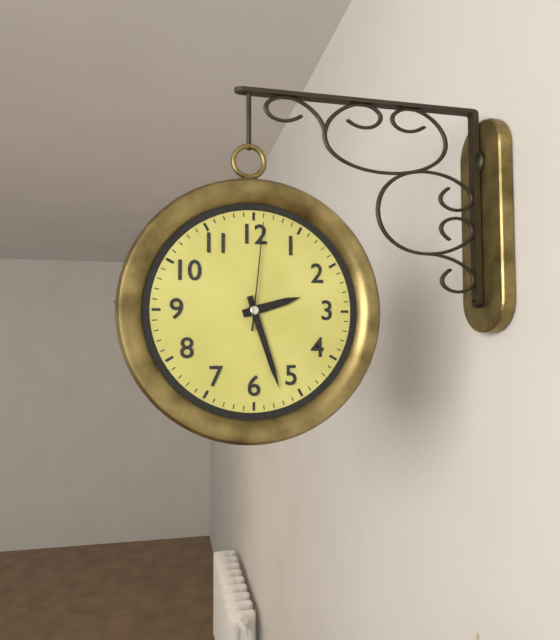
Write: 2:27:01
